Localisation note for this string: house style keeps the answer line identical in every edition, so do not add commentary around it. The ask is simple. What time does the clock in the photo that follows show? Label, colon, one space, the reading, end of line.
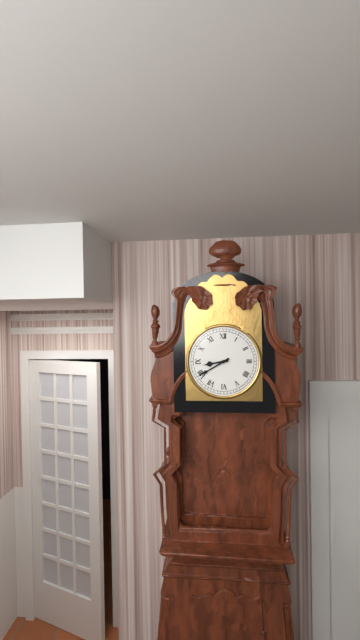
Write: 8:40
